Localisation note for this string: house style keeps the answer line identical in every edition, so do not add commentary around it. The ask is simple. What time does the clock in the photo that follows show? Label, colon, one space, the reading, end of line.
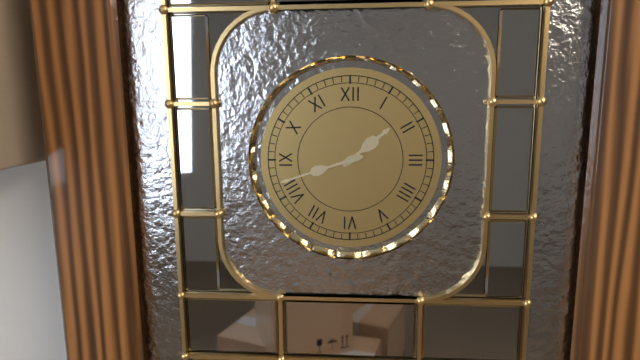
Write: 1:42
